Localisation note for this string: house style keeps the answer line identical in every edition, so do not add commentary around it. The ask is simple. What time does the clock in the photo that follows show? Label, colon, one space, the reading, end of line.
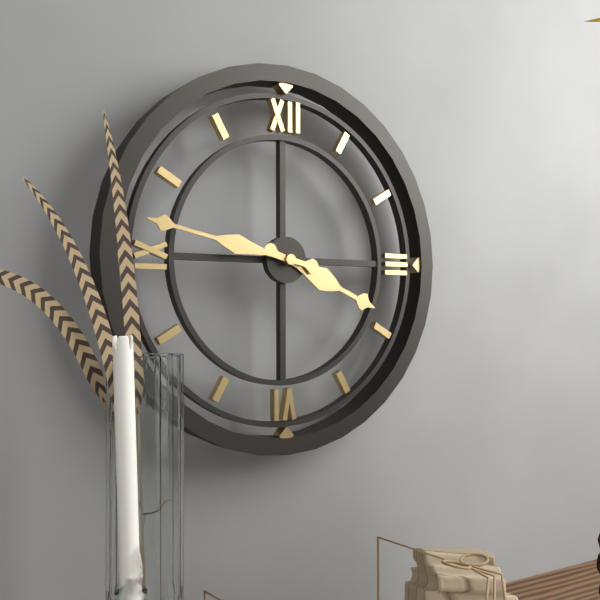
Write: 3:47
